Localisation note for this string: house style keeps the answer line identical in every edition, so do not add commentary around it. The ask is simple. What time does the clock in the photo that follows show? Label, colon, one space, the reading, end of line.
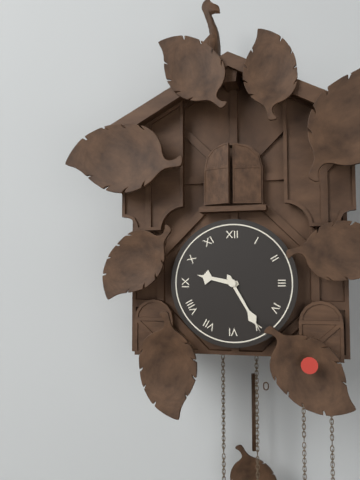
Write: 9:25
